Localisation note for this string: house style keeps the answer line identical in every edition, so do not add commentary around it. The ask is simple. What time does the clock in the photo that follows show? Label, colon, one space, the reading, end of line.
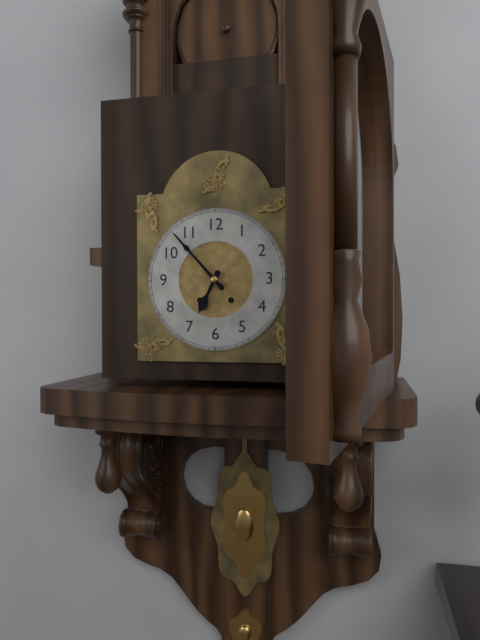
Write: 6:53
